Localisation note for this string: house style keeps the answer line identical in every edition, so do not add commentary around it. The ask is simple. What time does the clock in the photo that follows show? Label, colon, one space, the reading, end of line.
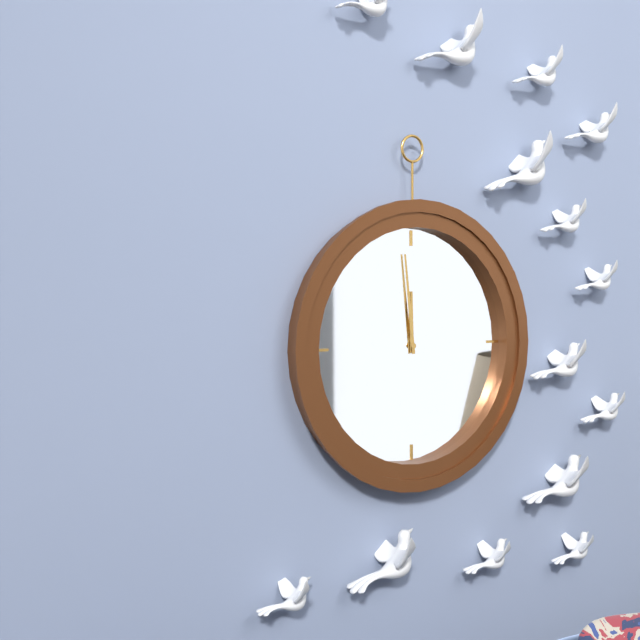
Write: 11:59
